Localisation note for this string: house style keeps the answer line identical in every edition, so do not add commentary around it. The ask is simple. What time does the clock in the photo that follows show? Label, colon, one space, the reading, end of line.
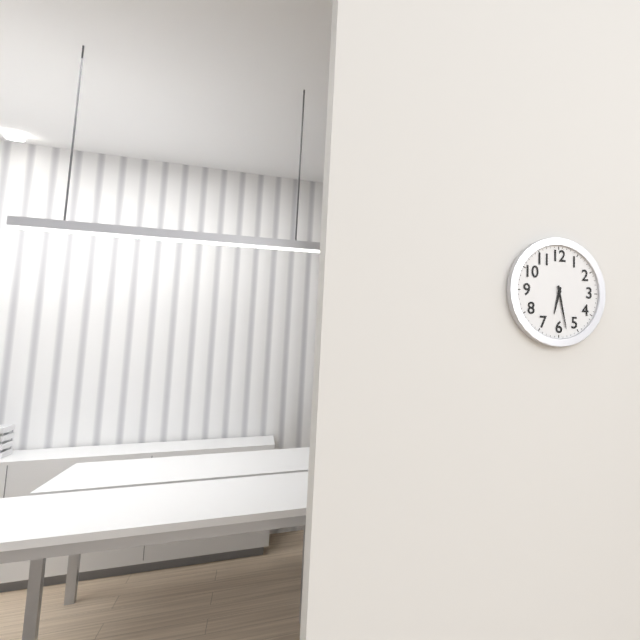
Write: 6:28
